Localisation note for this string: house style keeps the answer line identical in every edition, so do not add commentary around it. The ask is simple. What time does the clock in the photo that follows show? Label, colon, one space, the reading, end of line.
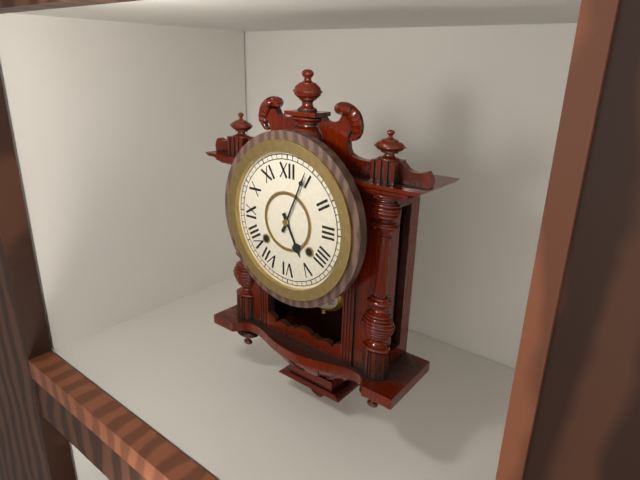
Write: 5:04
